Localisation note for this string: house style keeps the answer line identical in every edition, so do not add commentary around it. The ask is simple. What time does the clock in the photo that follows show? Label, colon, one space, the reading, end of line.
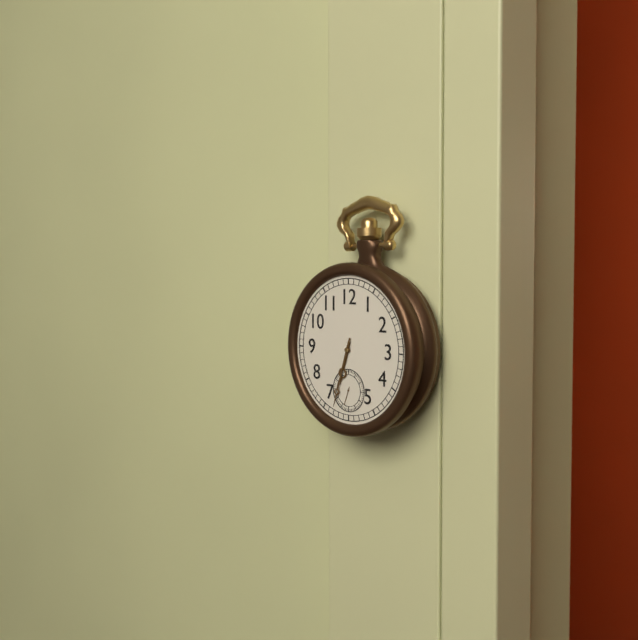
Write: 6:33
